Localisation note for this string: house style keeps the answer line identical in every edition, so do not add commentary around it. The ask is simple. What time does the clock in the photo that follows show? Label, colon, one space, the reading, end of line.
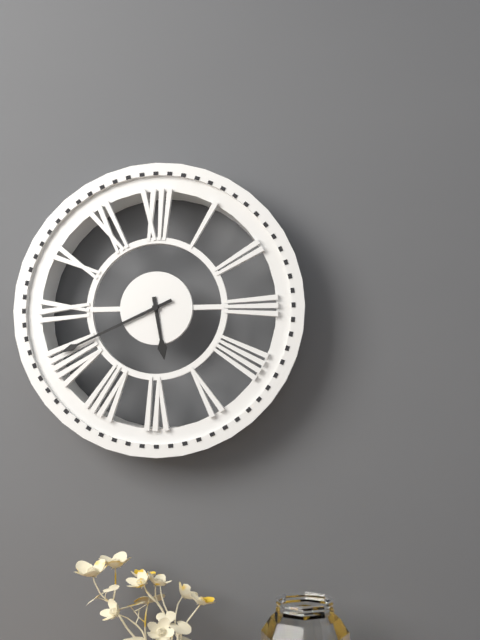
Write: 5:41
